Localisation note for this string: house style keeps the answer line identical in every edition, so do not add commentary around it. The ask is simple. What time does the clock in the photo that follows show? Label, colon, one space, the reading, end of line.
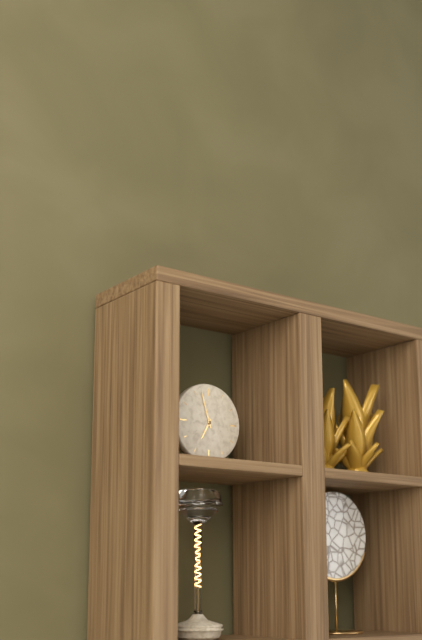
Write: 6:57
